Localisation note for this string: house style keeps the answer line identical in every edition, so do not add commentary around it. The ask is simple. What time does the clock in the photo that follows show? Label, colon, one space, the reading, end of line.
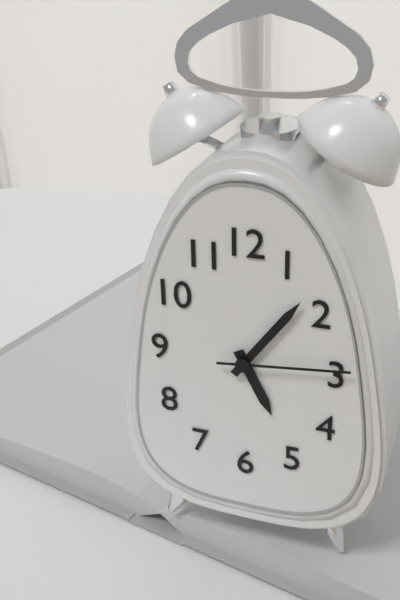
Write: 5:06:14
